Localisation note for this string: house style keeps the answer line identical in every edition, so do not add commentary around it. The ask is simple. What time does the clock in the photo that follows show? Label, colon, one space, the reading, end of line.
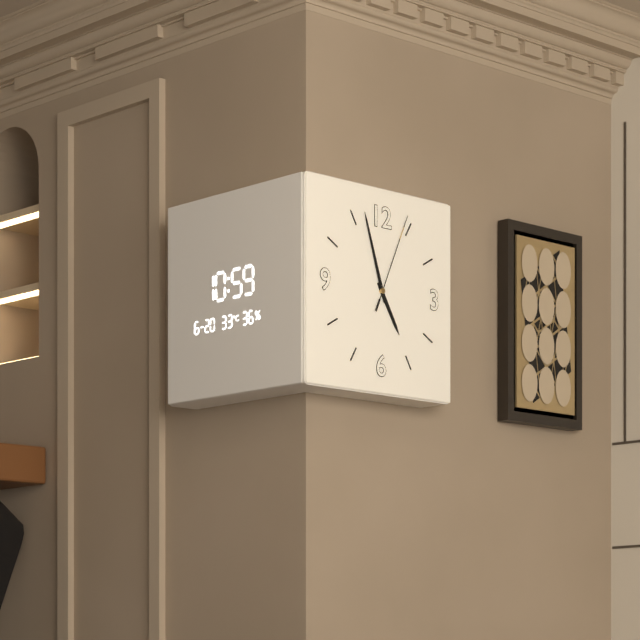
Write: 4:57:04
